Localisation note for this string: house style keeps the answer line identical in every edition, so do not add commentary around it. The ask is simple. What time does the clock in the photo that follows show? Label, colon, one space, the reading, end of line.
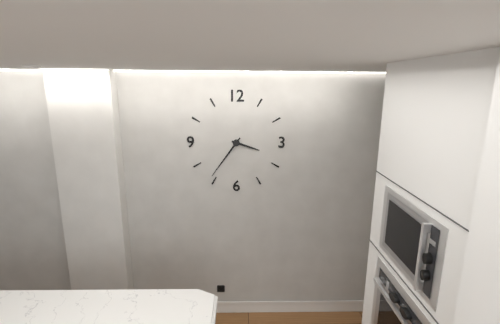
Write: 3:36
